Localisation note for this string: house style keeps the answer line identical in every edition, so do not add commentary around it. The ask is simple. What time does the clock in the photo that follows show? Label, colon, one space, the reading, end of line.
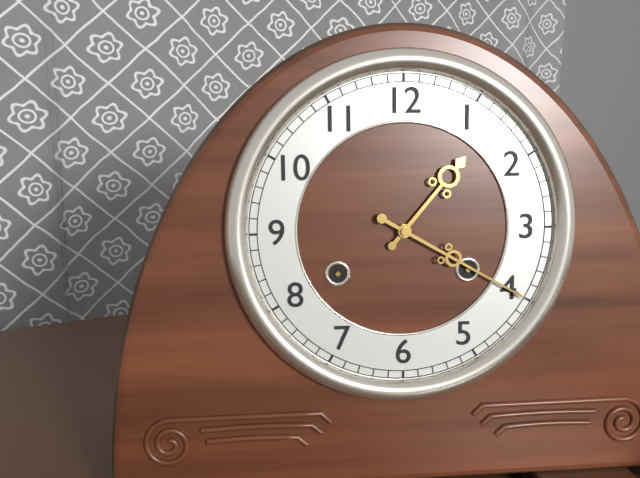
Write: 1:20
